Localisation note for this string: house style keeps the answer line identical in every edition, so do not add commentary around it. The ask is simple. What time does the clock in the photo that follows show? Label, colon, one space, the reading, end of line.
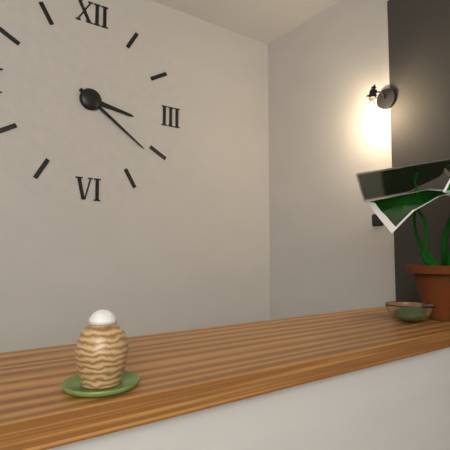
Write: 3:21
